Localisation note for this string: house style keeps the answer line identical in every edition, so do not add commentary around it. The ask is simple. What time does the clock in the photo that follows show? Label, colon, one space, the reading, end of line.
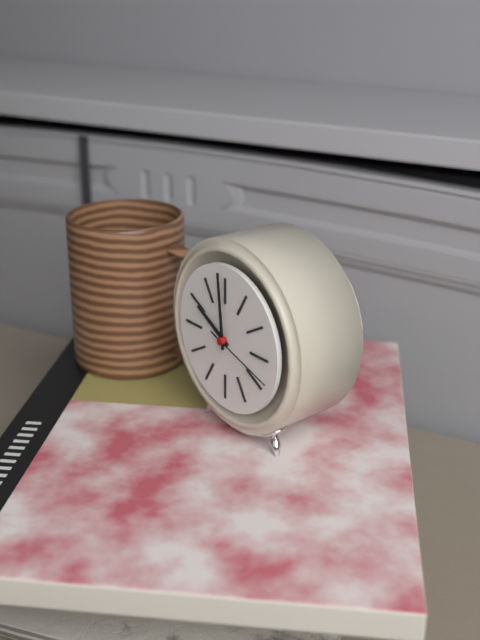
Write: 9:59:18
